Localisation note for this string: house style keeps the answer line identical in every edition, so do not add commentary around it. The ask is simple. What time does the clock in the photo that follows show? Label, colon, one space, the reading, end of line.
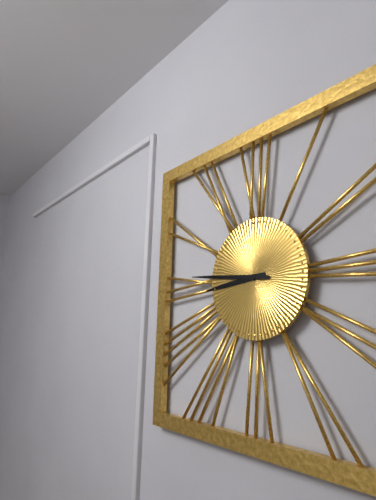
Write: 8:46
